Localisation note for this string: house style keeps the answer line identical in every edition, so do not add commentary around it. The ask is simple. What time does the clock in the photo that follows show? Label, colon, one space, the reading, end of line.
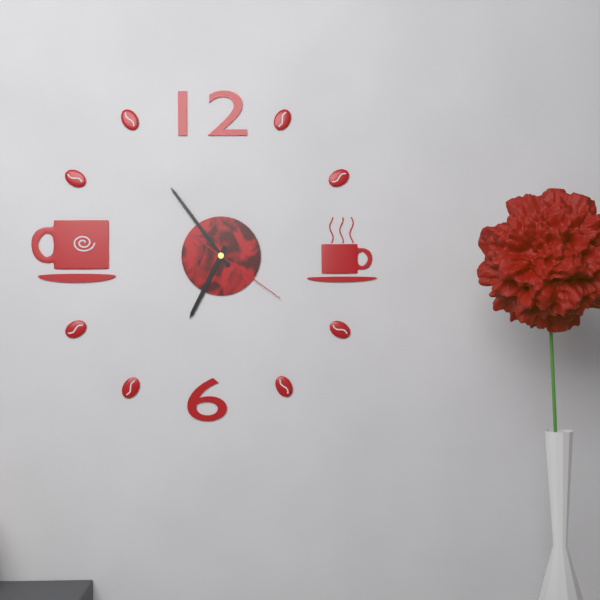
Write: 6:54:21
